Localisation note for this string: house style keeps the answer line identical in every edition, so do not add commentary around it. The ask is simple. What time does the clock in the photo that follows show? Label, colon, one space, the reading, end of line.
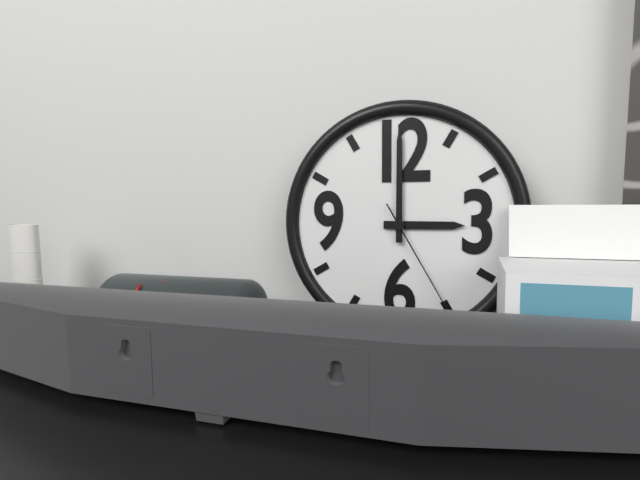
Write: 3:00:25
